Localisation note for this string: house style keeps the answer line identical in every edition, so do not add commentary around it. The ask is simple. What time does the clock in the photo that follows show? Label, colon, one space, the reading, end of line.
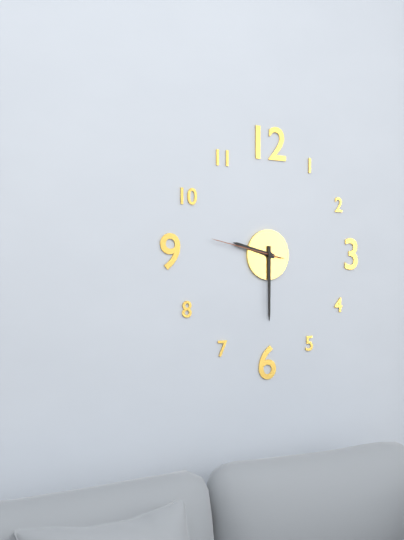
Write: 9:30:47
